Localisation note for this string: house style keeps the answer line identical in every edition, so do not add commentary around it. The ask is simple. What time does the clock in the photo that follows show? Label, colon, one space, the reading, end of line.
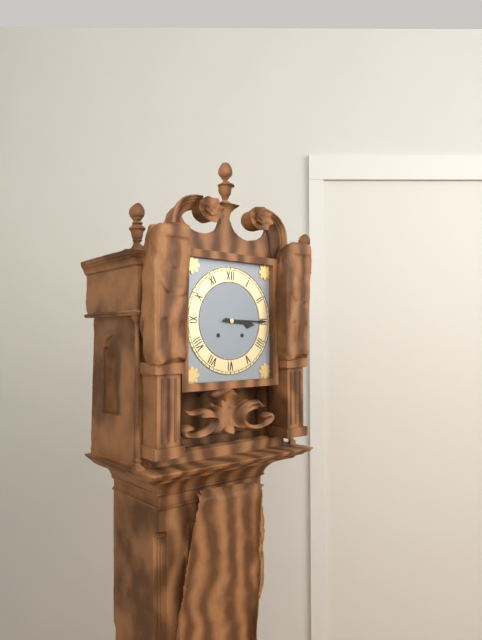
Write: 3:15
